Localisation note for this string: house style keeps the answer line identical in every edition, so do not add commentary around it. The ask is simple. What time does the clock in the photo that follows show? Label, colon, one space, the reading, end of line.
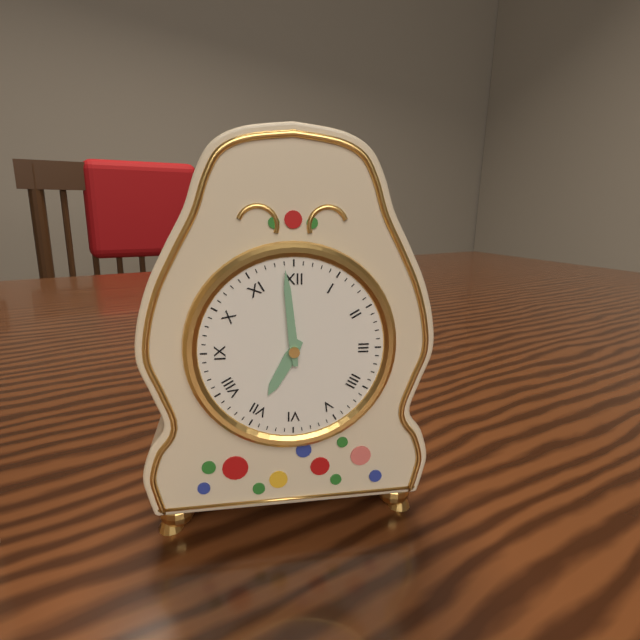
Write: 6:59
